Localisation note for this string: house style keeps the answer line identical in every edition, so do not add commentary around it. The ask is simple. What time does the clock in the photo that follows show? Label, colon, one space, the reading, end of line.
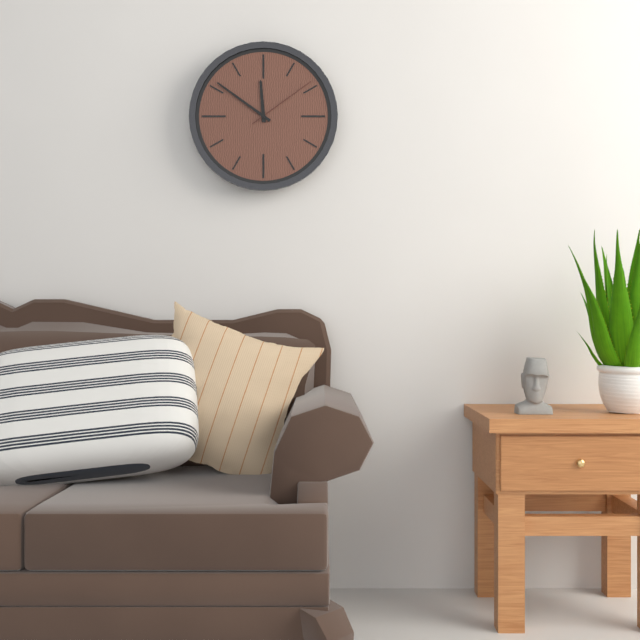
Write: 11:51:09
